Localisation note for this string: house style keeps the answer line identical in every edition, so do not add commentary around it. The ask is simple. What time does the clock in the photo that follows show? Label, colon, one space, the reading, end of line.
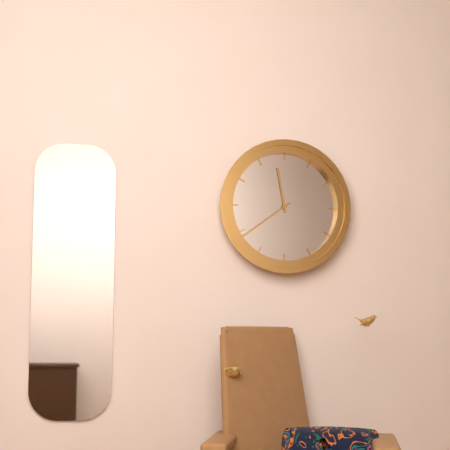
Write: 11:39
